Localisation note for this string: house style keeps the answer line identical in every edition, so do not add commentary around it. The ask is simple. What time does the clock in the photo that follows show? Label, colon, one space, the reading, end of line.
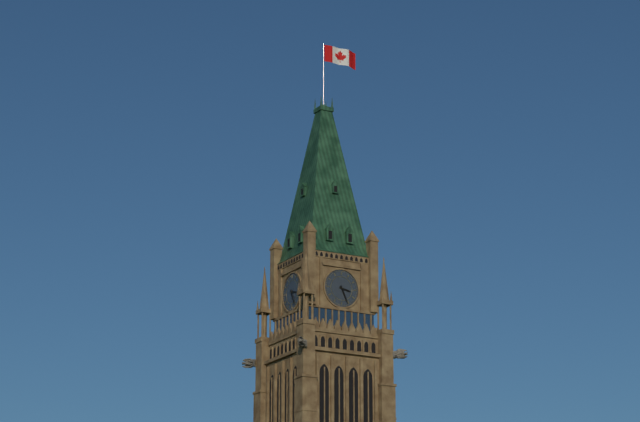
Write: 3:26
